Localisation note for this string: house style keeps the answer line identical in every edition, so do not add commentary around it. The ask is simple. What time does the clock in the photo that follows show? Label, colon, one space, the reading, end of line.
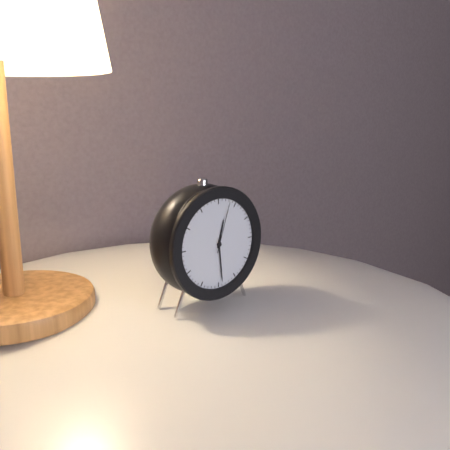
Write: 12:29:03
